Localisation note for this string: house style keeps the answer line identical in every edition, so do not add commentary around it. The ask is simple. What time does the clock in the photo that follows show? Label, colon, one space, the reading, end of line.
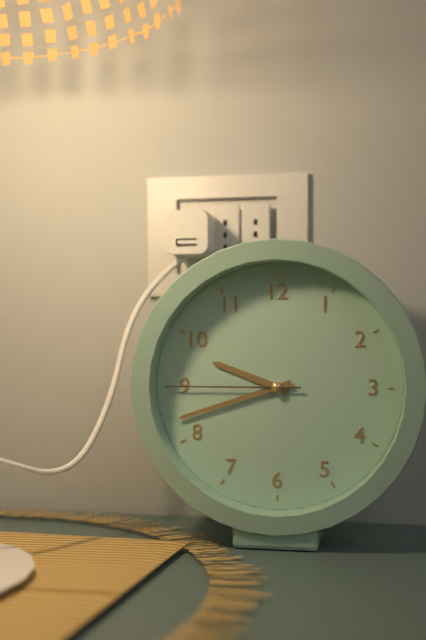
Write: 9:42:45
